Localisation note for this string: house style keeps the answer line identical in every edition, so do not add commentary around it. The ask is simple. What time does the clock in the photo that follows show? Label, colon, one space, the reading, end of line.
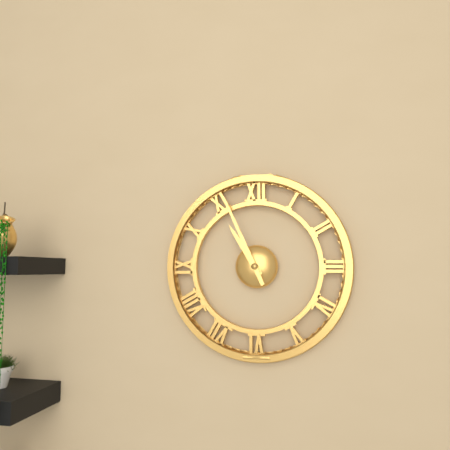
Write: 10:56
